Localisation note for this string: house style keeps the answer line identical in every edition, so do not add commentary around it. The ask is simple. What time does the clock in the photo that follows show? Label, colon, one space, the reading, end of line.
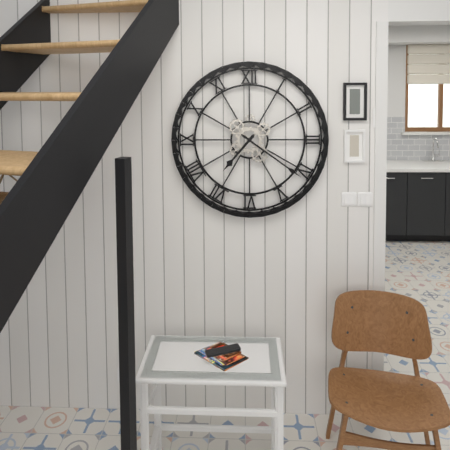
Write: 7:21
